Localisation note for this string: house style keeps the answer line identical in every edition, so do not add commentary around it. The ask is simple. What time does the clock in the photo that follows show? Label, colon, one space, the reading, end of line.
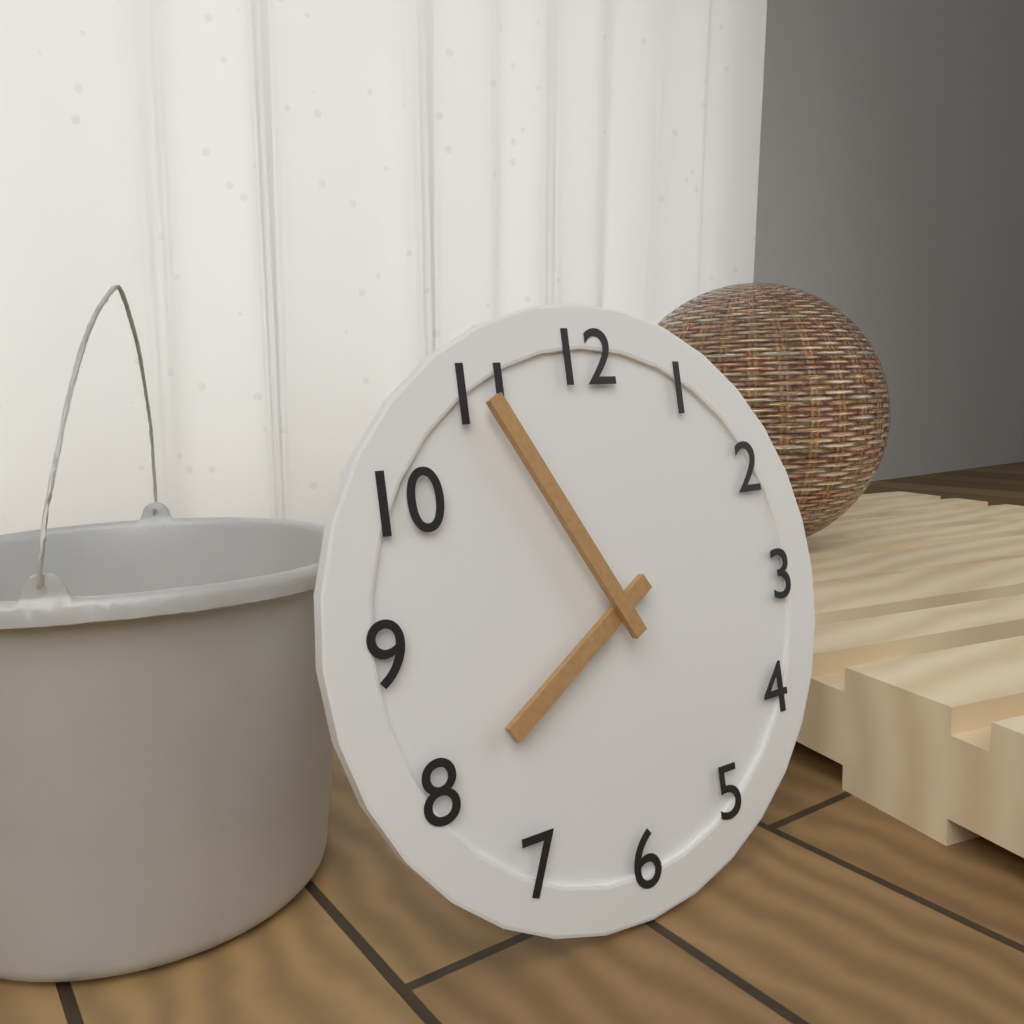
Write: 7:55
